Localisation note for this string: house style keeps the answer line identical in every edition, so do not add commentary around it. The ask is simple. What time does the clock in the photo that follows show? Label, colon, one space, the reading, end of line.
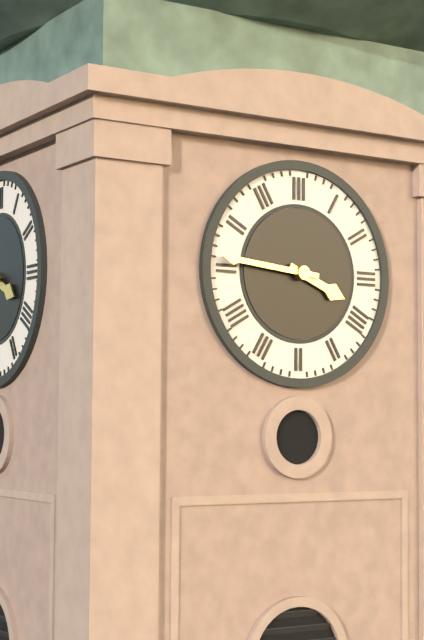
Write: 3:46
